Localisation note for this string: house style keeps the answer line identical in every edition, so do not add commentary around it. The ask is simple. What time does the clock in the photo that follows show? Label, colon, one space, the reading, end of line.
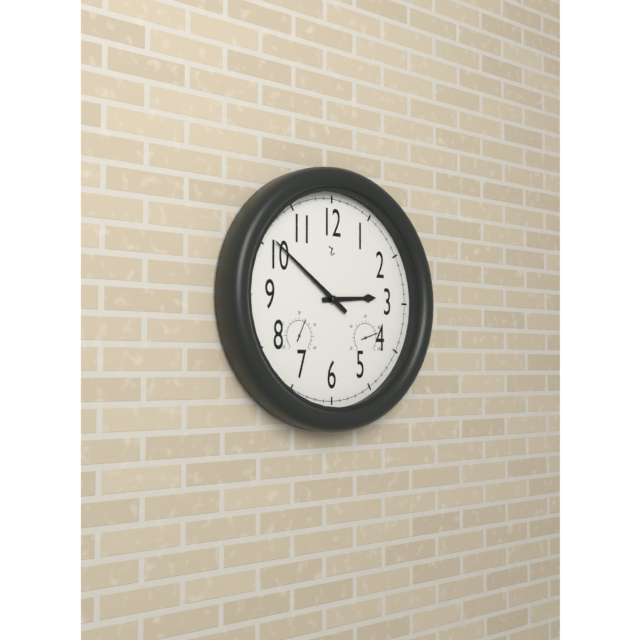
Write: 2:51
